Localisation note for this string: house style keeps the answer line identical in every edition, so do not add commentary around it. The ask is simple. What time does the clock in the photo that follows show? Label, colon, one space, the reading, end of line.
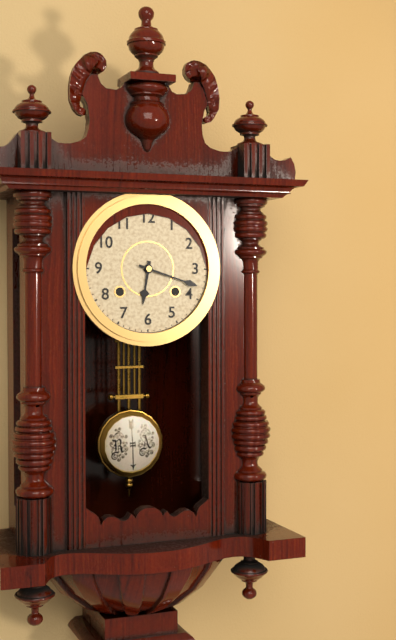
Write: 6:18
